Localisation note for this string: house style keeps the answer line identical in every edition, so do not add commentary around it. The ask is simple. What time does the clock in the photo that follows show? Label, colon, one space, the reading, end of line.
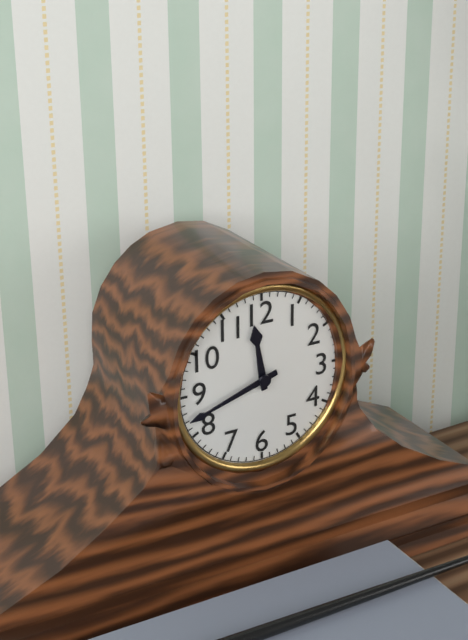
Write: 11:42
